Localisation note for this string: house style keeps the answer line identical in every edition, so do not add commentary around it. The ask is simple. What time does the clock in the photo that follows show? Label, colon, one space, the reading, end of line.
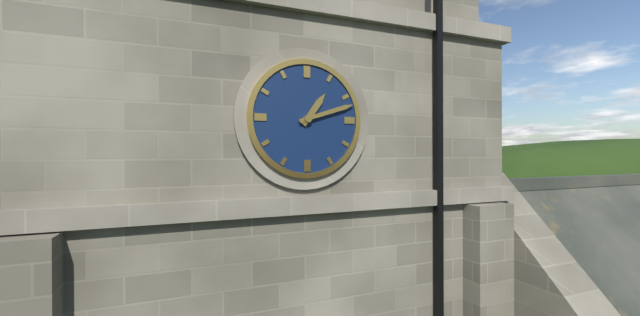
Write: 1:12
